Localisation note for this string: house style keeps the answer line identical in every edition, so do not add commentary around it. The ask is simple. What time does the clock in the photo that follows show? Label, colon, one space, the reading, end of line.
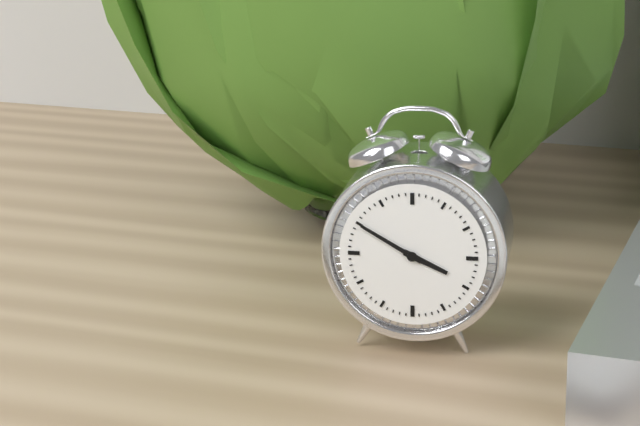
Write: 3:50
